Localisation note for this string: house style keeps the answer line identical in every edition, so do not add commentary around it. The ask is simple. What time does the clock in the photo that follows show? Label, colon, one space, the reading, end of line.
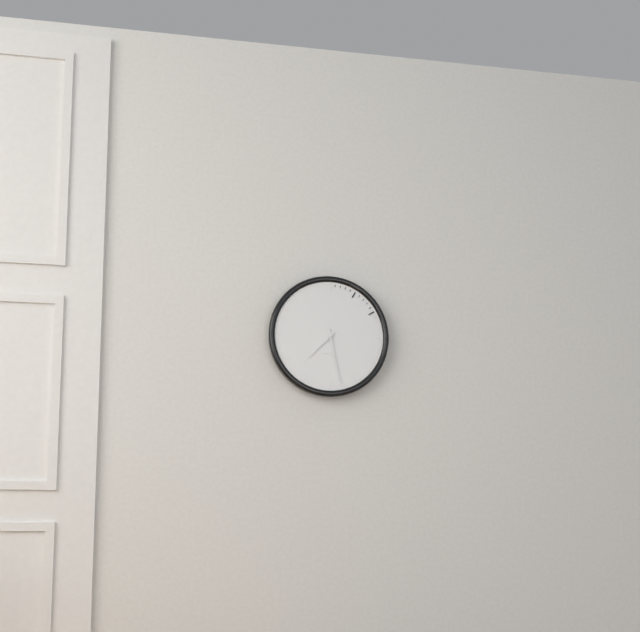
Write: 7:28
